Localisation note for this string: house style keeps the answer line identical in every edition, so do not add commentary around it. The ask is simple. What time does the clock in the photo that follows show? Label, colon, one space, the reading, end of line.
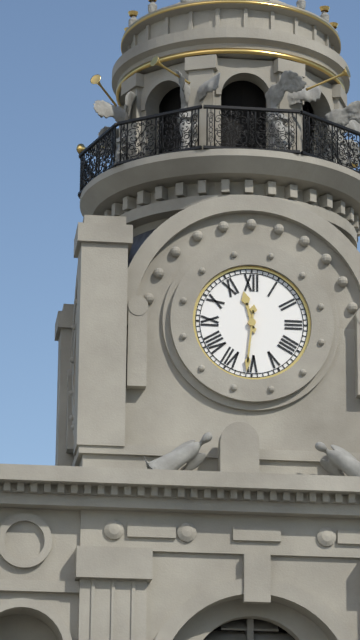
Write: 11:31
